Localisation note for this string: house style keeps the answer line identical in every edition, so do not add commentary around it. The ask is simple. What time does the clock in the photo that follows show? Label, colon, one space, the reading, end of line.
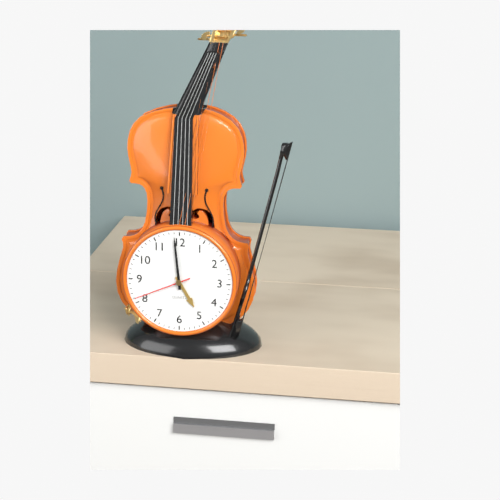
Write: 4:59:41
